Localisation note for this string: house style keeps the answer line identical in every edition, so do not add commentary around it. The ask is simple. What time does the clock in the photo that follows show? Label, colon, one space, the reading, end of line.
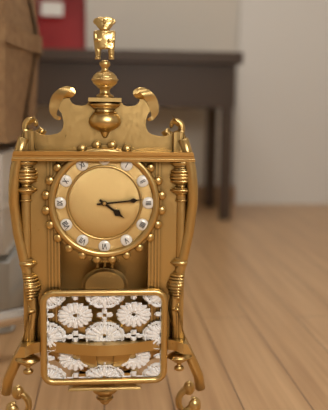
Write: 4:14
